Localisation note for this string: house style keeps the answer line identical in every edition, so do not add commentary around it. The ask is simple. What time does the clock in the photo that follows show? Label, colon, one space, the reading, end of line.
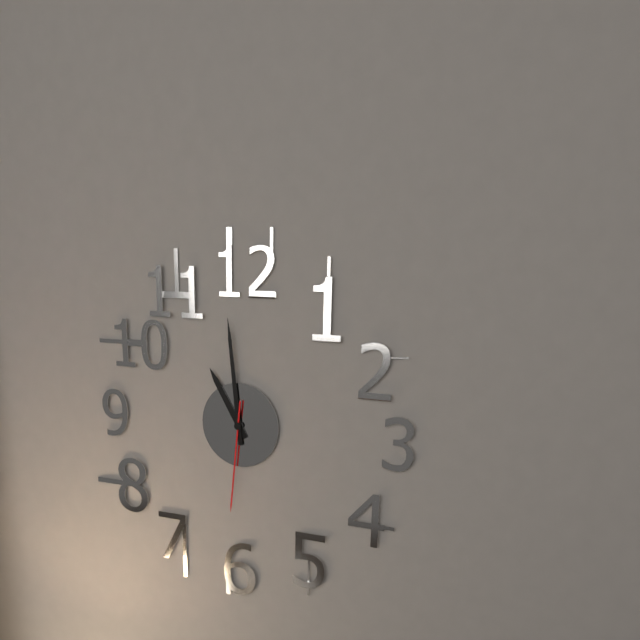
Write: 10:59:31
